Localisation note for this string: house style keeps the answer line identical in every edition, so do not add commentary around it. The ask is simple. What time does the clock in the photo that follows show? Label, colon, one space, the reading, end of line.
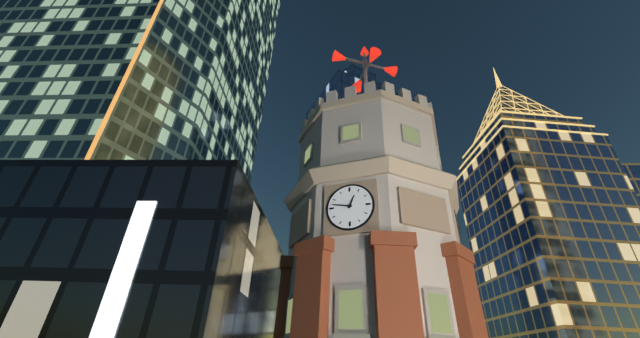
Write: 12:47
